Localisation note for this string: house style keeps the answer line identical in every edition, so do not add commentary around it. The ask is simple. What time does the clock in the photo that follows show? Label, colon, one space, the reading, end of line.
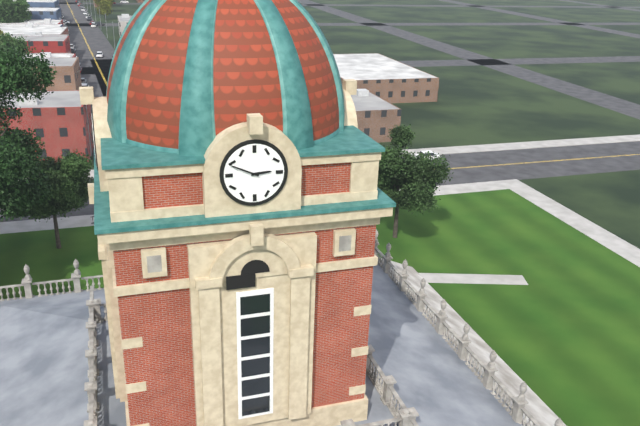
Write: 2:49
